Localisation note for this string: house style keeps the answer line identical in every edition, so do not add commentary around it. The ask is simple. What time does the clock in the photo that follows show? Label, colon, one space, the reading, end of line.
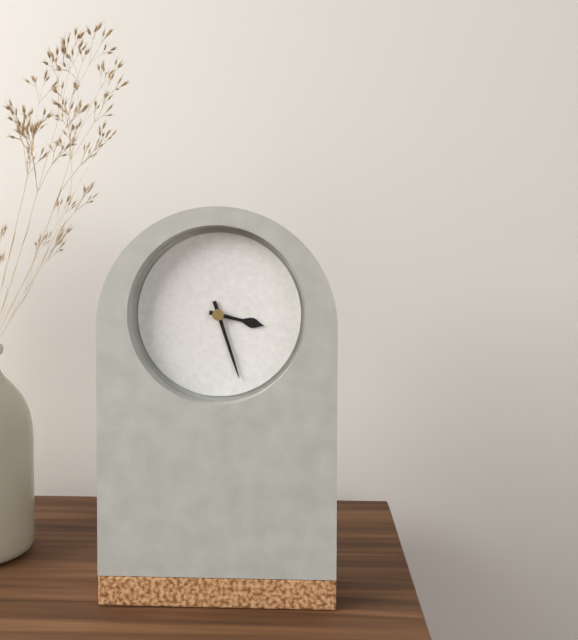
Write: 3:27
